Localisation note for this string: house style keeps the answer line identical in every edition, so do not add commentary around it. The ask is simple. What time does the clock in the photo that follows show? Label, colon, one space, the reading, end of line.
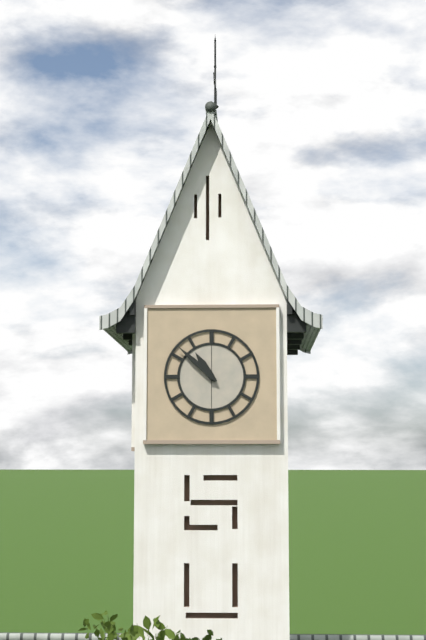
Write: 10:52
